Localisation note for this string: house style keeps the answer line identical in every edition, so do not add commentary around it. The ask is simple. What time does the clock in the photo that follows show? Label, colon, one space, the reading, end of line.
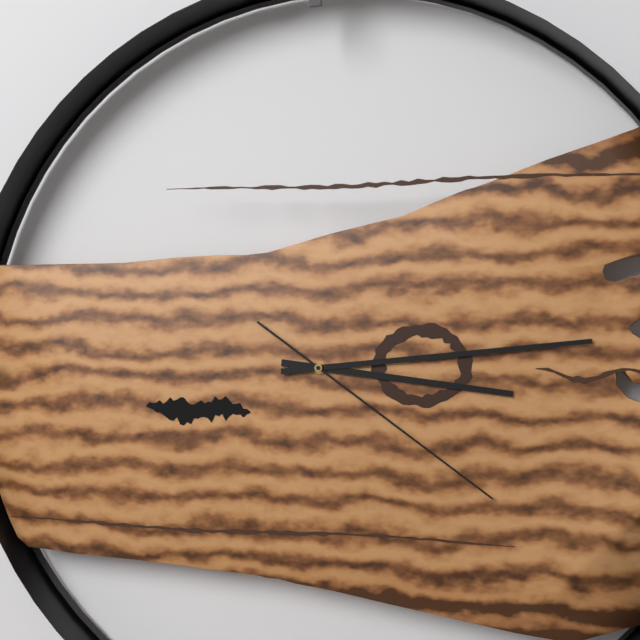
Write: 3:14:21
